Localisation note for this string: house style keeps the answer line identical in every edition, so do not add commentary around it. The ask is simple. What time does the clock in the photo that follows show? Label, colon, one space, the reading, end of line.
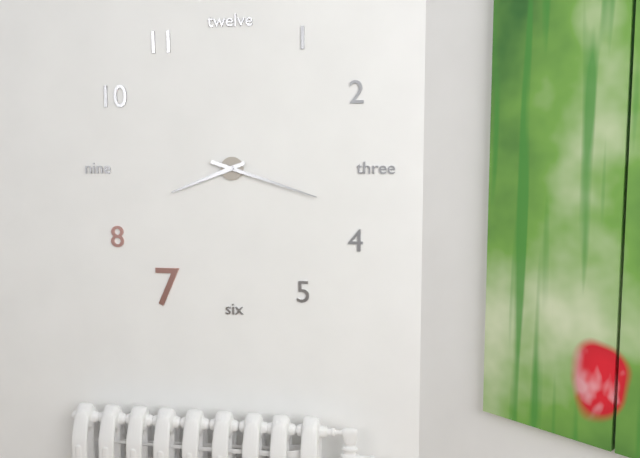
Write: 8:18
